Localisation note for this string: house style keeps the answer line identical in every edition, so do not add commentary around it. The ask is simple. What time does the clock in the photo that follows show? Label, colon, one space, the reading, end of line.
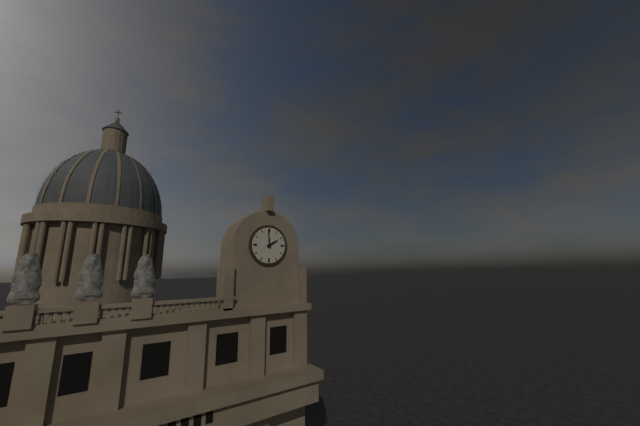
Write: 1:59
